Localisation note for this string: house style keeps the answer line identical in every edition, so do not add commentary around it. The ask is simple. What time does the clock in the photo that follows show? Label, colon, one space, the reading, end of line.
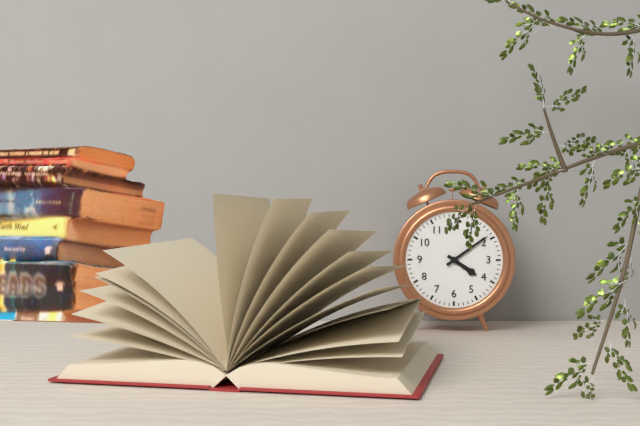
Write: 4:09
